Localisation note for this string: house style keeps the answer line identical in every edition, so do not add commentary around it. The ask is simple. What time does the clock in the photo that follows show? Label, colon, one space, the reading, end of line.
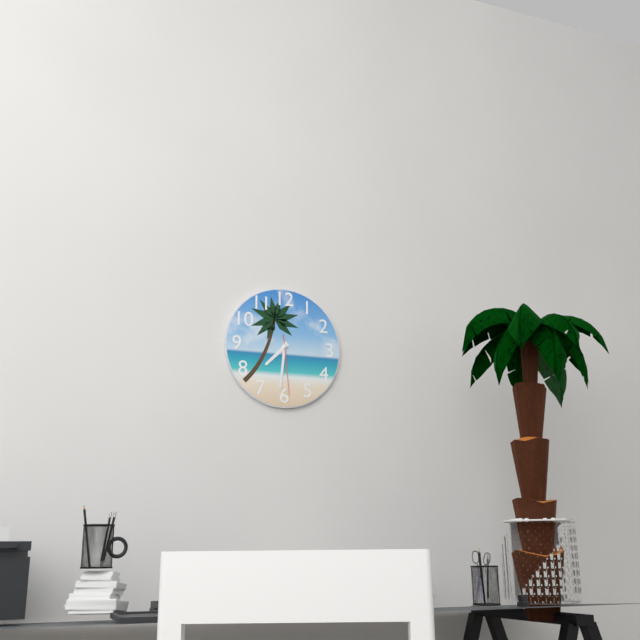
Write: 7:31:29
